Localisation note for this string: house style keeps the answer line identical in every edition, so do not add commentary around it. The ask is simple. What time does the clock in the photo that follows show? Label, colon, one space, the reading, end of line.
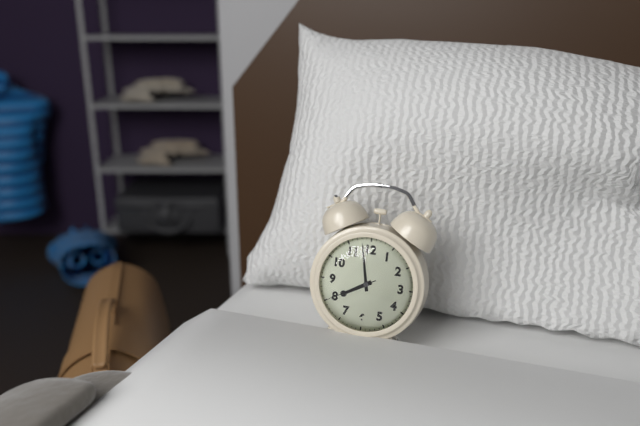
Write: 7:58:40
